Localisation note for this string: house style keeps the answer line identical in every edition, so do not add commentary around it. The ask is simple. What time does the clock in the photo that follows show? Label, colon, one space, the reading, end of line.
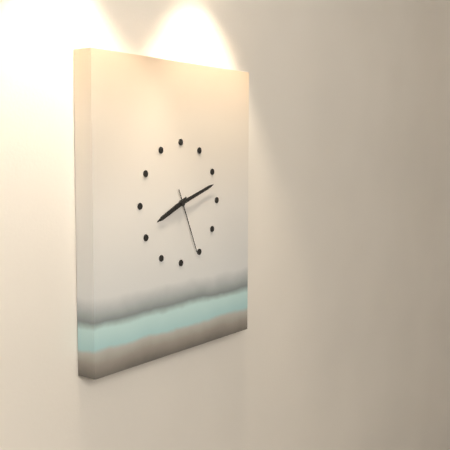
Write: 8:12:26
